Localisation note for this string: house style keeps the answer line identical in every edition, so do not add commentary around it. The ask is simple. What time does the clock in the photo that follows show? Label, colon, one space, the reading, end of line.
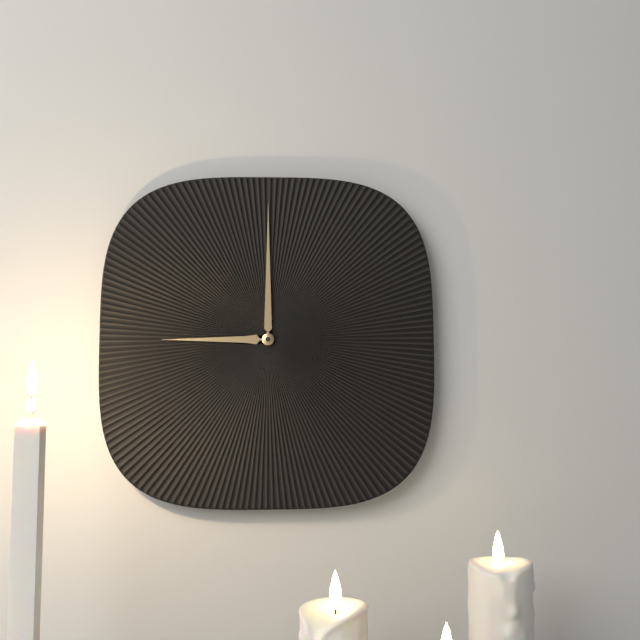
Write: 9:00
